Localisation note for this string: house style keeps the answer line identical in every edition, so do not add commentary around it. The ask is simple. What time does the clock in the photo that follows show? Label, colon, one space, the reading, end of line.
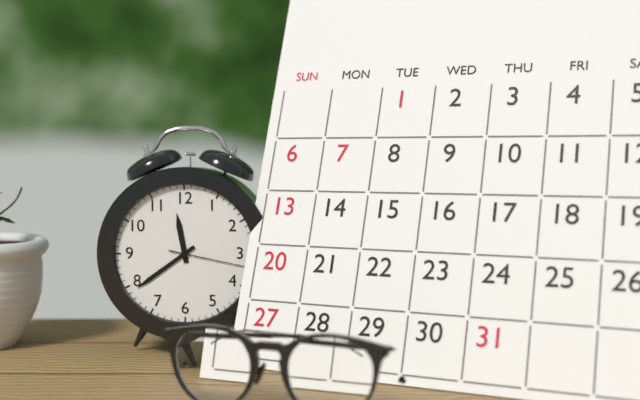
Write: 11:39:17
